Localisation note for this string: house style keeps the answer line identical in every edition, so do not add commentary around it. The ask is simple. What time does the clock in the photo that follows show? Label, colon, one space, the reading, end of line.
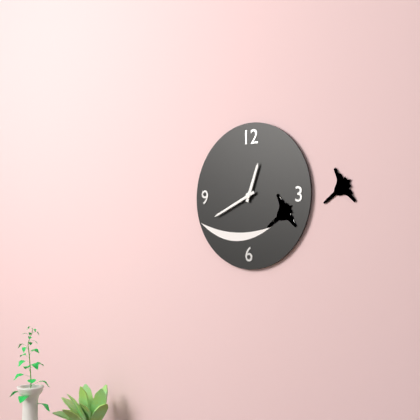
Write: 12:41
